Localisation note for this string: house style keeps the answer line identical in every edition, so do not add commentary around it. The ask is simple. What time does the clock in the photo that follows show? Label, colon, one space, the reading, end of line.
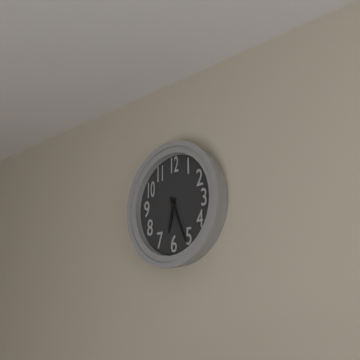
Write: 6:26
